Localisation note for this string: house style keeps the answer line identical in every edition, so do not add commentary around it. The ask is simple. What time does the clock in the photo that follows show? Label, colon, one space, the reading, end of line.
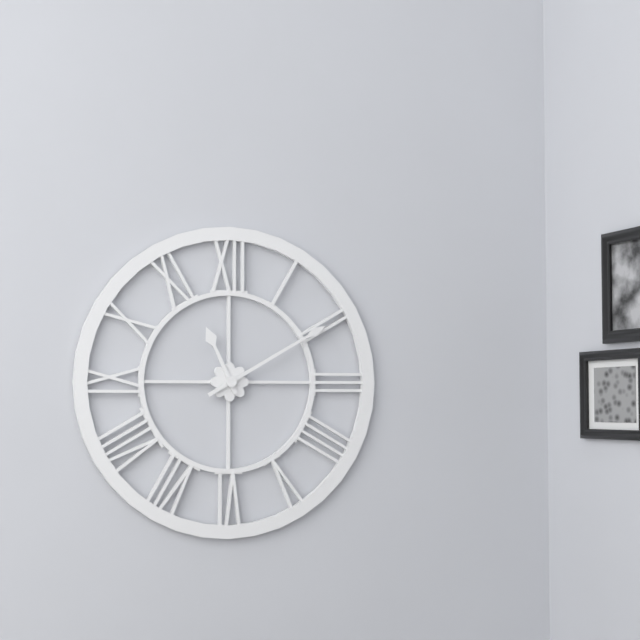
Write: 11:10
